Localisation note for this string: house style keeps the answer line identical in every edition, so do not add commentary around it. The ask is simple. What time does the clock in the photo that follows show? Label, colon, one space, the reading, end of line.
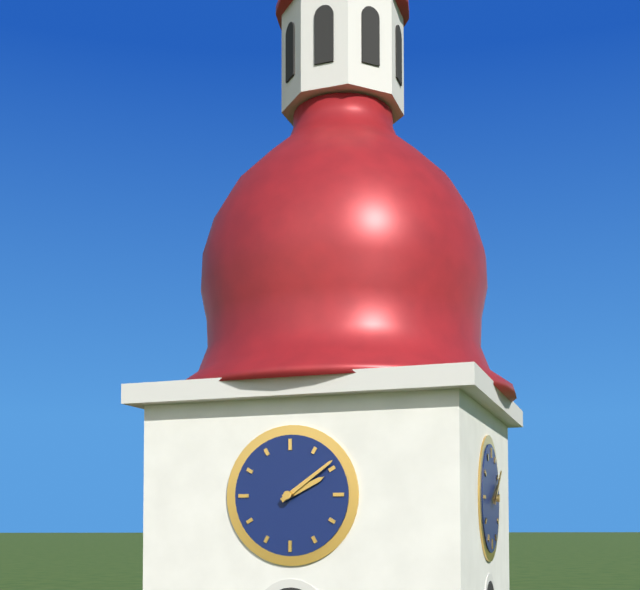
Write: 2:09
